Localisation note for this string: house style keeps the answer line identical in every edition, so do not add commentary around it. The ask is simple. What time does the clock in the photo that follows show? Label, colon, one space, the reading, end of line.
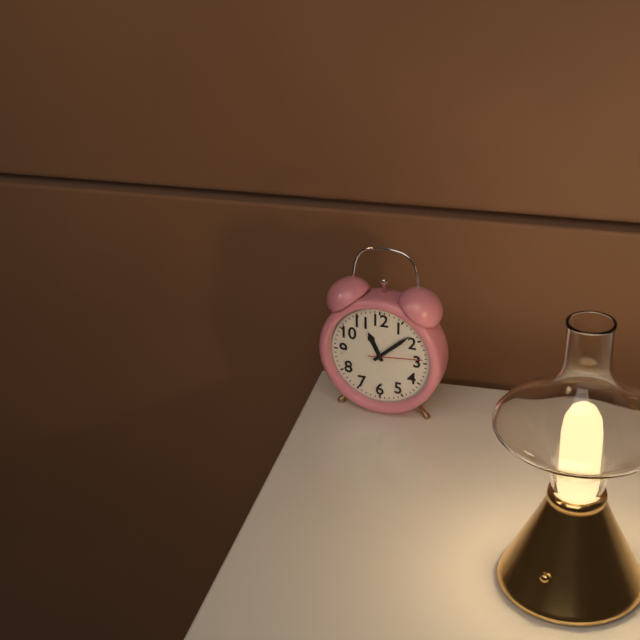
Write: 11:08:14
